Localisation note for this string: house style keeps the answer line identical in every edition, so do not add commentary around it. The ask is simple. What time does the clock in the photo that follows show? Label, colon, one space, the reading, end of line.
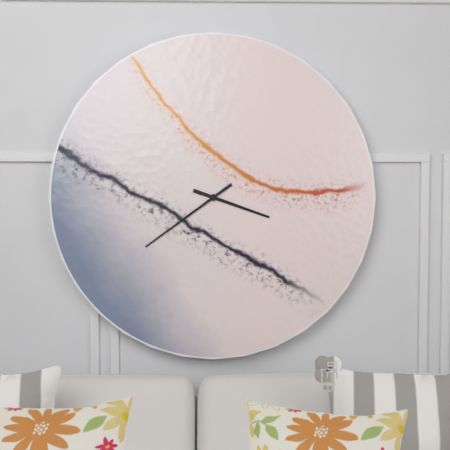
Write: 3:39
